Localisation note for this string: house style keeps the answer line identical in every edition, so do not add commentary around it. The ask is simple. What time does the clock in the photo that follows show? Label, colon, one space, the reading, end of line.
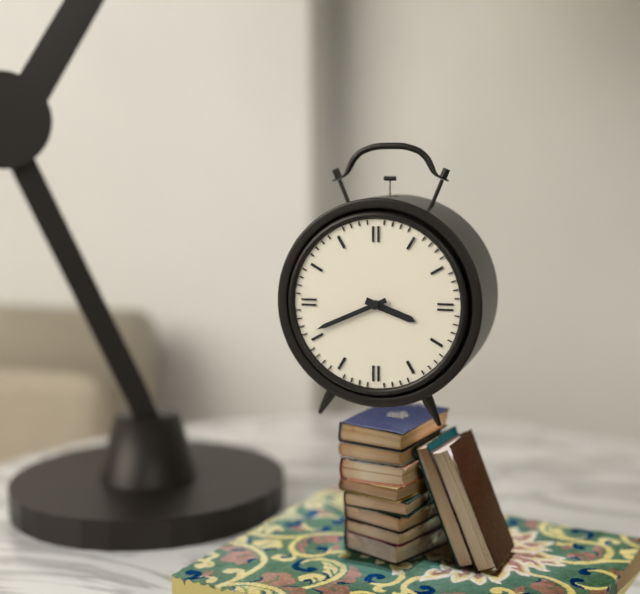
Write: 3:41
